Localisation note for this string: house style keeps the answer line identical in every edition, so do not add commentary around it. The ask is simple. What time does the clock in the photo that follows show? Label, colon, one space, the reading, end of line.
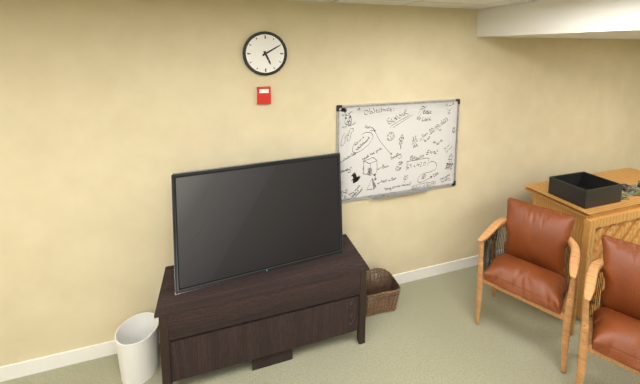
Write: 5:10
